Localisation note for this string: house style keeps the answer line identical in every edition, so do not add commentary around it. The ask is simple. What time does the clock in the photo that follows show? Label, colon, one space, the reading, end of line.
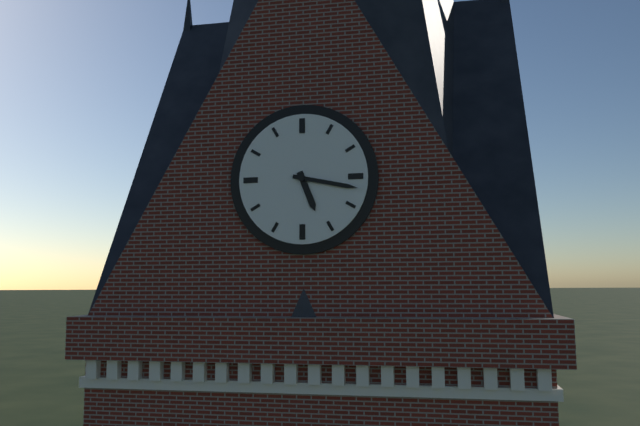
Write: 5:17
